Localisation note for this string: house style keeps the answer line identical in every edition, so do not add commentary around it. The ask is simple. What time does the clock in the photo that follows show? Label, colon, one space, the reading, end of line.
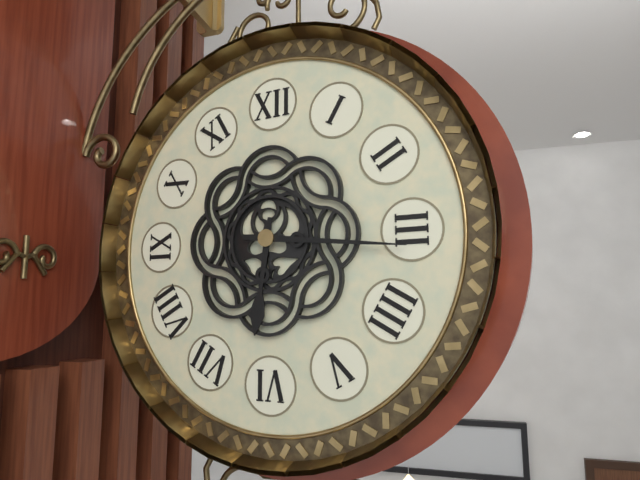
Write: 6:16
